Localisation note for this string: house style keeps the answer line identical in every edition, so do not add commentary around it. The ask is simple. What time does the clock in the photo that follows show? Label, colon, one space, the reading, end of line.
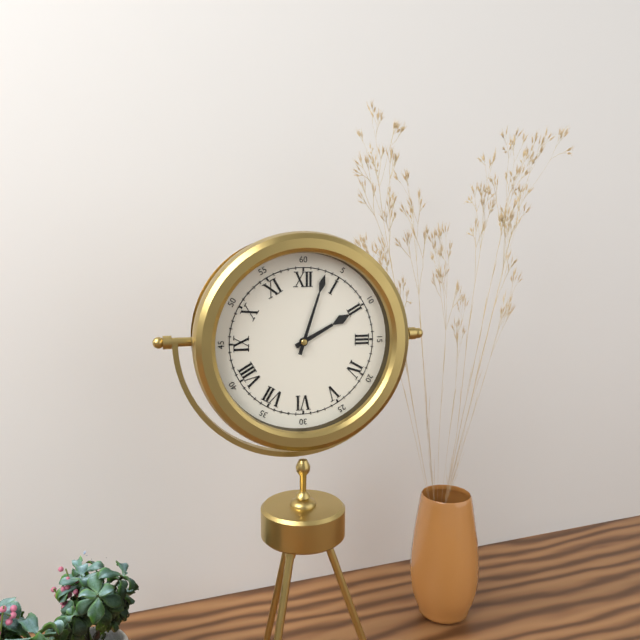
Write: 2:03
